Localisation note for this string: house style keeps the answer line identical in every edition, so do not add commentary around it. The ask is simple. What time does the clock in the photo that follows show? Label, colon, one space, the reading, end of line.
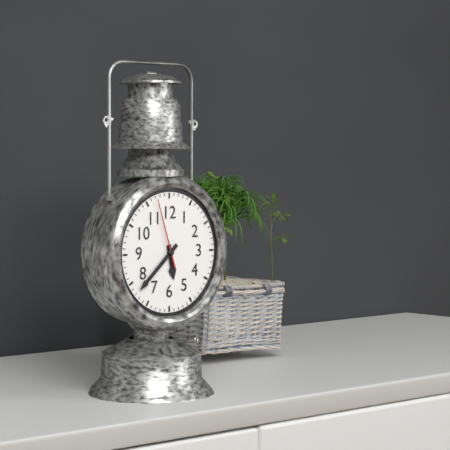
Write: 5:38:57
